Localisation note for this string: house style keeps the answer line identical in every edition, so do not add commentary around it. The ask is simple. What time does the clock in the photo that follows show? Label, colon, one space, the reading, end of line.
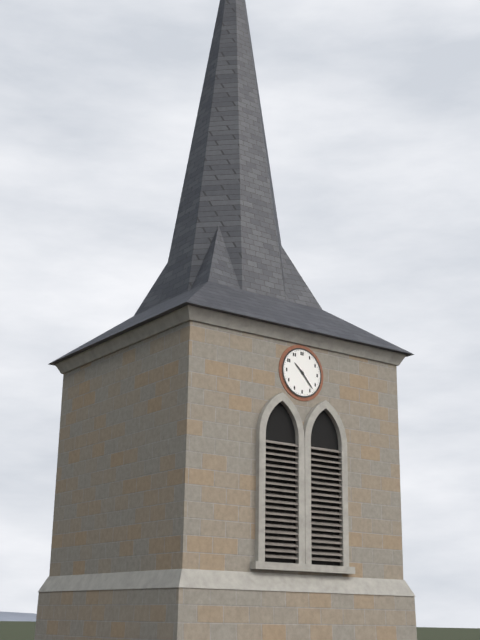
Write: 10:23
